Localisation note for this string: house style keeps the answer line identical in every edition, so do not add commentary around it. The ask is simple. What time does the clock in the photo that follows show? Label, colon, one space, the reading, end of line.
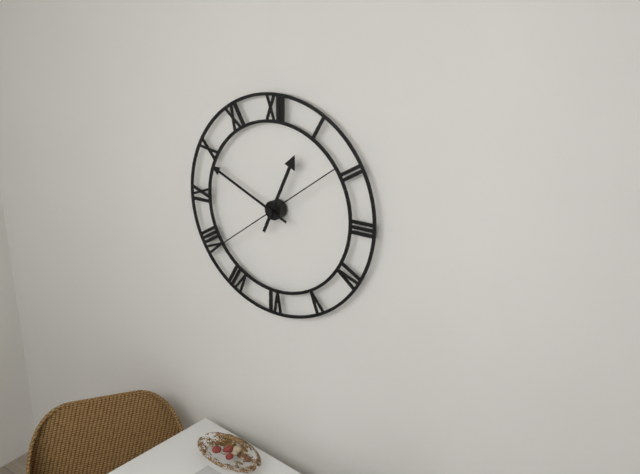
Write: 12:49:39
